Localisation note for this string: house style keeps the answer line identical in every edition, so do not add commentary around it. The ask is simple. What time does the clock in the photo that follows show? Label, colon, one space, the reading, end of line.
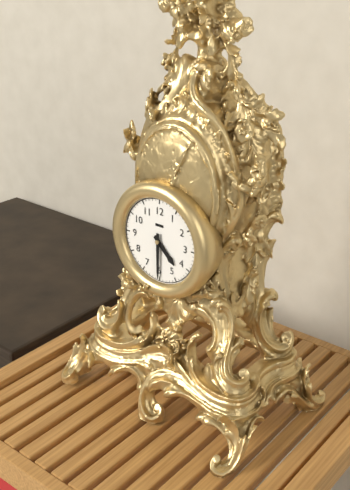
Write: 4:30
